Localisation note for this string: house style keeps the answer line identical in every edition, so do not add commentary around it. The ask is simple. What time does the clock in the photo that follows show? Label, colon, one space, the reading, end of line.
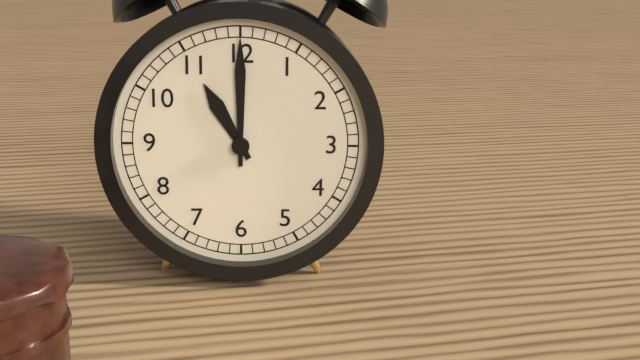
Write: 11:00
